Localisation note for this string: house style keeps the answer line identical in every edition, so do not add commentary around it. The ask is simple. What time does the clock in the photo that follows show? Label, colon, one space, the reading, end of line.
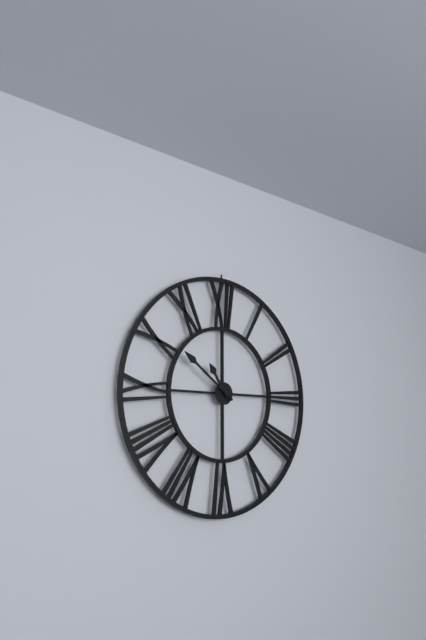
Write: 10:51
